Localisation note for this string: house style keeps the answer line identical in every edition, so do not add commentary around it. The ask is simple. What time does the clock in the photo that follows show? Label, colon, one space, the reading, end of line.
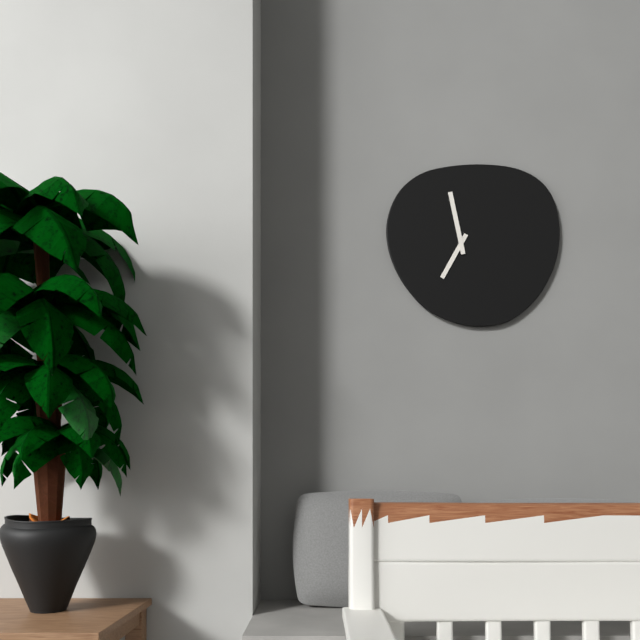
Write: 6:58
